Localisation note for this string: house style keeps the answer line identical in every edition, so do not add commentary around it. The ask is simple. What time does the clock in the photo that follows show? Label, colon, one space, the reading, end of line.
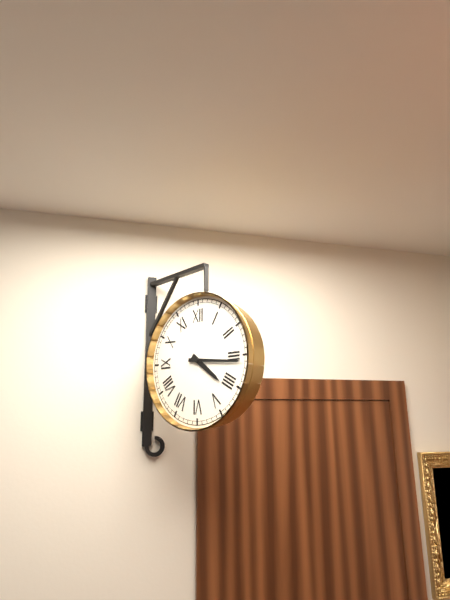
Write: 4:16
